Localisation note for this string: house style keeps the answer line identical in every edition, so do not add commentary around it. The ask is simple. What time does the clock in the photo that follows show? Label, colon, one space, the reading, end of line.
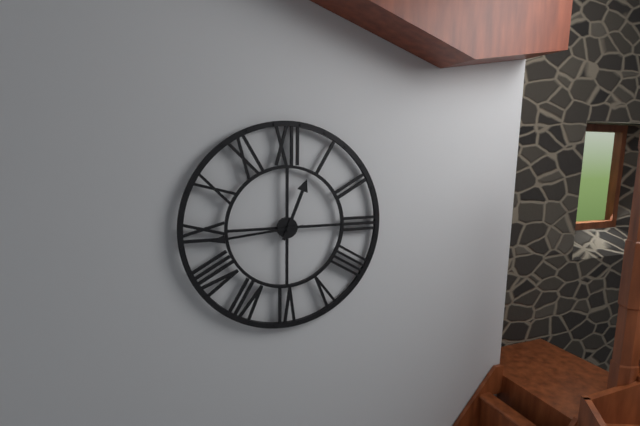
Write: 12:44
